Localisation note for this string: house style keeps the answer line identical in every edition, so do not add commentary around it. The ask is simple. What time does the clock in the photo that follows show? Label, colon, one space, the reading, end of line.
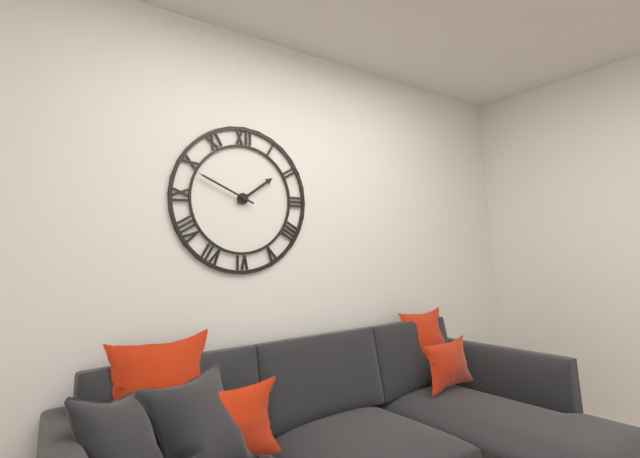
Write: 1:49
